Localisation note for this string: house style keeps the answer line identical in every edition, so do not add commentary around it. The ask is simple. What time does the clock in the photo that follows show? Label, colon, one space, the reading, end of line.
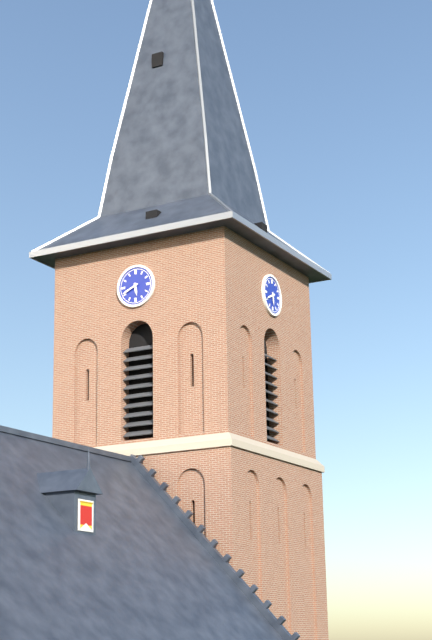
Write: 5:41
